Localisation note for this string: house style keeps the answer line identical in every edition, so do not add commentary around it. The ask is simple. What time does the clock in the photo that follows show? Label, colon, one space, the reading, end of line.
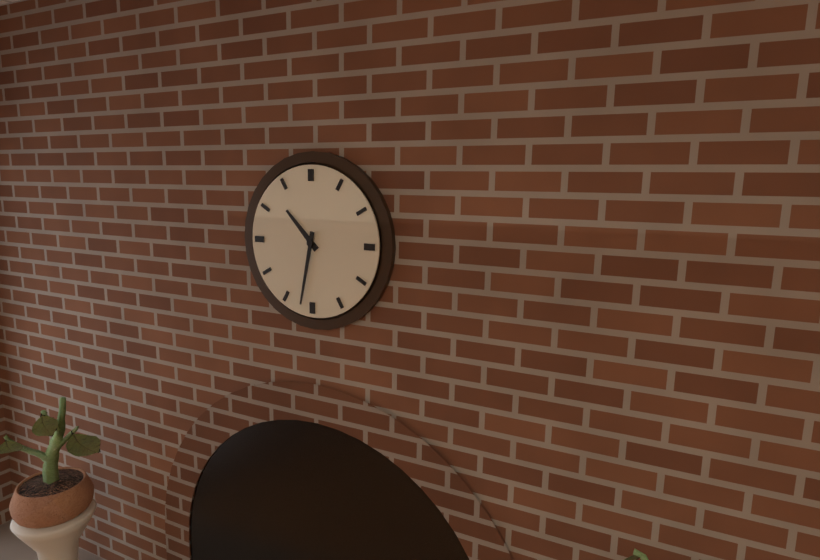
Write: 10:32
